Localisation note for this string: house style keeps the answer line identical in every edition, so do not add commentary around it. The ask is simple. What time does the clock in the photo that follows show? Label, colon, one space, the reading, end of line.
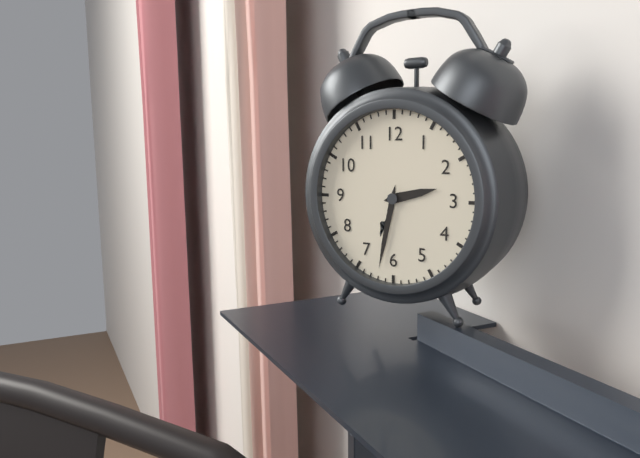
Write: 2:32
